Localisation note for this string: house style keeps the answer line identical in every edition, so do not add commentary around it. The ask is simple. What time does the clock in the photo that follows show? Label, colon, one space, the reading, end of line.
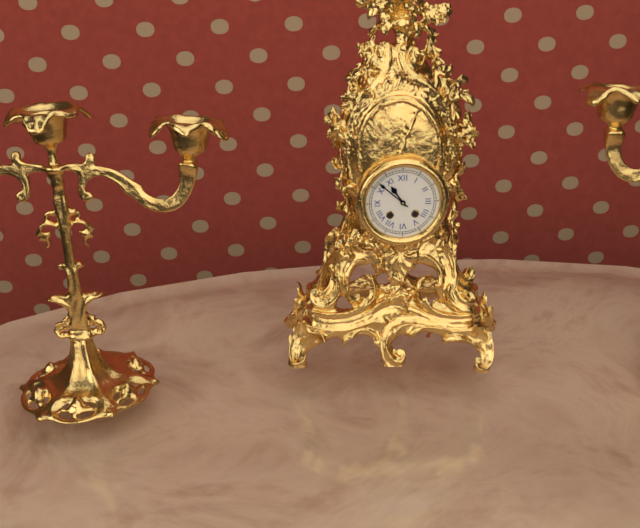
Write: 10:52
